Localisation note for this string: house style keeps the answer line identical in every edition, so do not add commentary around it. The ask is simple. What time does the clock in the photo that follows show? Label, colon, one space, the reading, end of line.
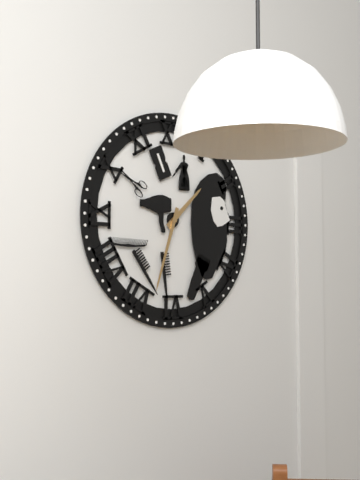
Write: 1:33
